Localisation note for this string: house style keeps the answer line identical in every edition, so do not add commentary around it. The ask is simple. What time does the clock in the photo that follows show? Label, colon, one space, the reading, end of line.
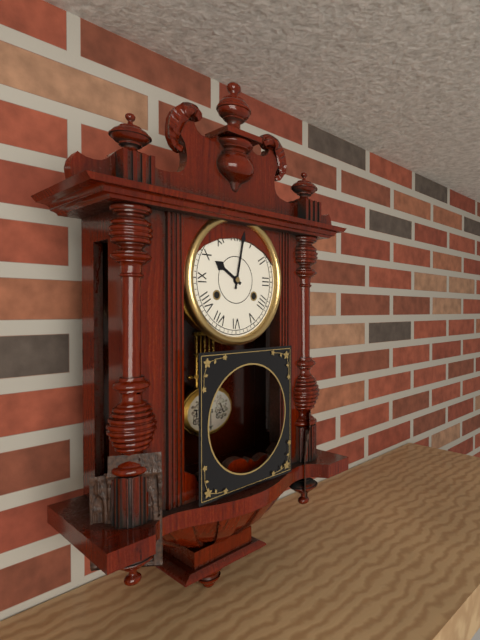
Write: 10:02
